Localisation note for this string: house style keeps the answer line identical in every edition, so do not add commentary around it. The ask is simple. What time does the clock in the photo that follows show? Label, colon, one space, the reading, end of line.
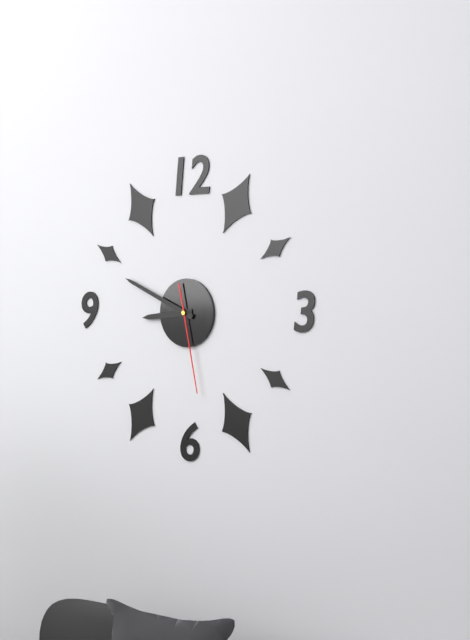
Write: 8:49:28
